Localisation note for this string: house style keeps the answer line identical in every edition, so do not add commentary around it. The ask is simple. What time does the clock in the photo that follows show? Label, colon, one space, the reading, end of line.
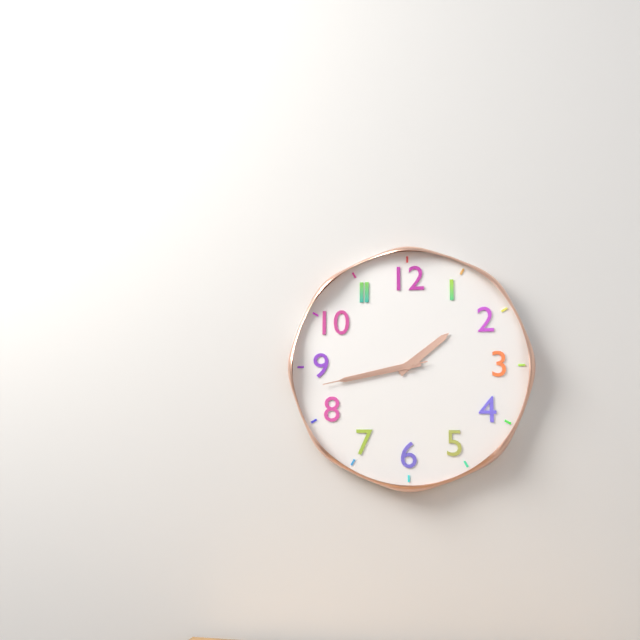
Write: 1:43:43
